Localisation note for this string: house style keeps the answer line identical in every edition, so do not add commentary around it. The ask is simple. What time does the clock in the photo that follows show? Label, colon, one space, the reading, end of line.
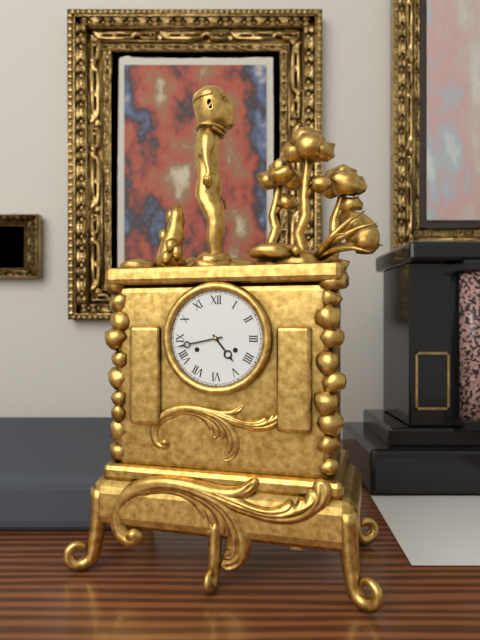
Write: 4:43
